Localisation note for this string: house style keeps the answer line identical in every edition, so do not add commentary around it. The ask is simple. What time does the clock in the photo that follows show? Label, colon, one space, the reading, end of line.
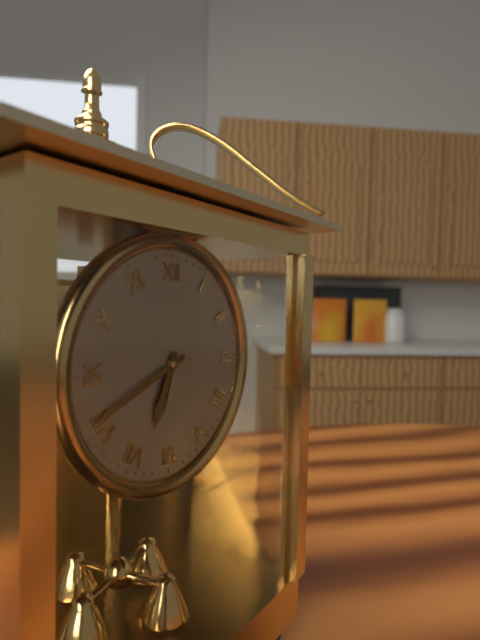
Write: 6:41
